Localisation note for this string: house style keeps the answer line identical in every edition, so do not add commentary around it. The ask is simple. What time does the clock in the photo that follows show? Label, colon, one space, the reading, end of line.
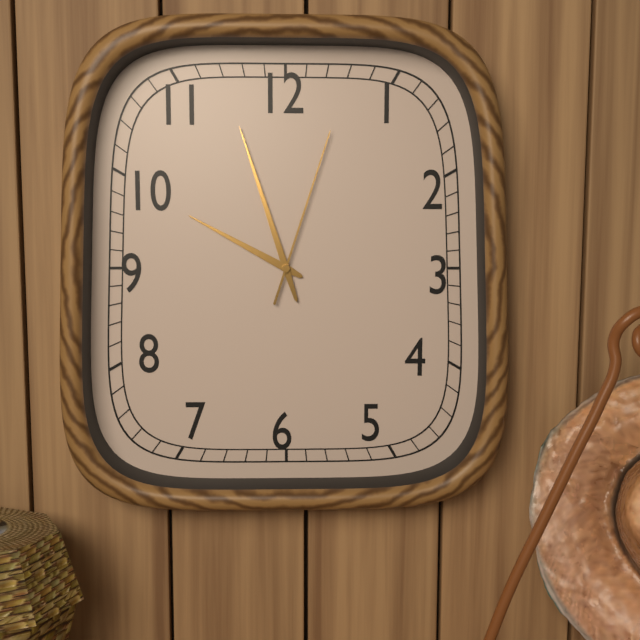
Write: 9:57:03
